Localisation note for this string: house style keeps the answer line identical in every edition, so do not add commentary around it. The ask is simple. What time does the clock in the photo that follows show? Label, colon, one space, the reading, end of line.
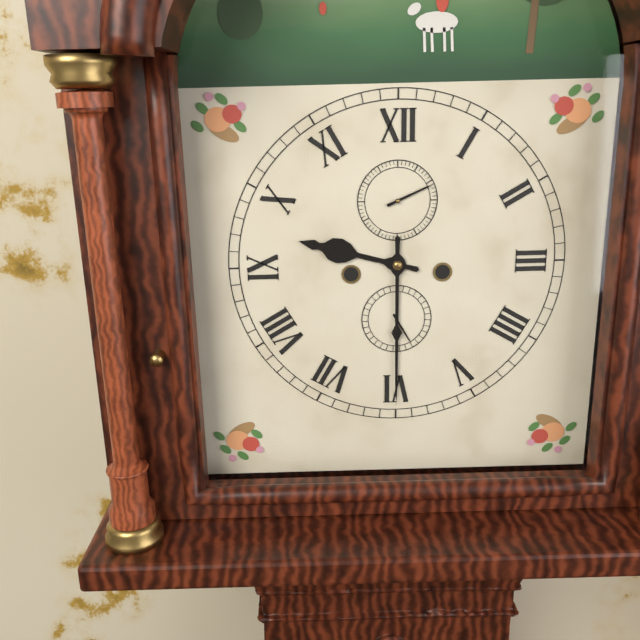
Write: 9:30
